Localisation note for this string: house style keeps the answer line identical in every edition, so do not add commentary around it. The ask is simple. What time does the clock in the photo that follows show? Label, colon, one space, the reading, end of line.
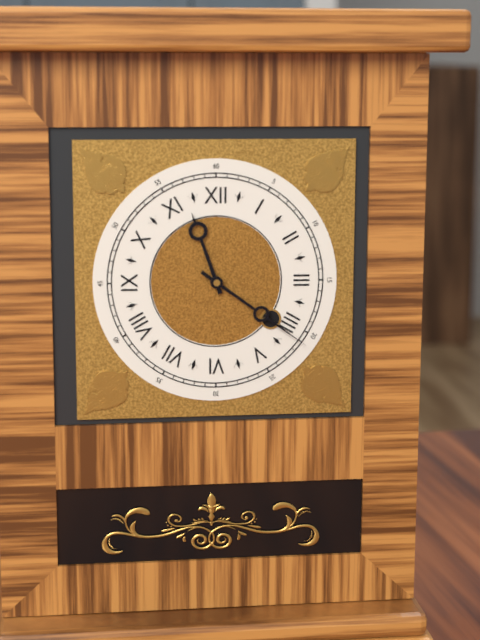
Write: 11:21
